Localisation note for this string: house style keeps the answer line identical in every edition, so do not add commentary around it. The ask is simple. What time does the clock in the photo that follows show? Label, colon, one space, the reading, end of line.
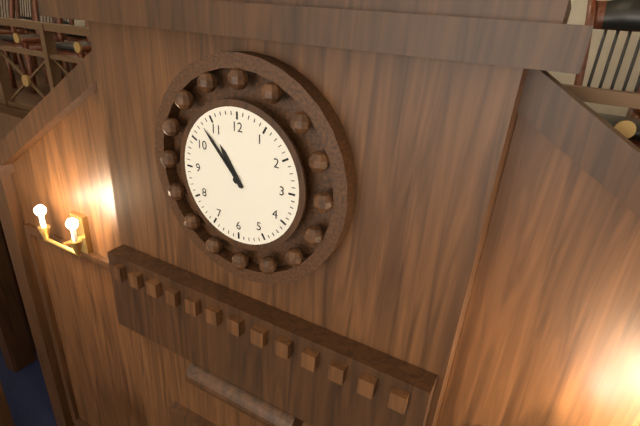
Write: 10:53
